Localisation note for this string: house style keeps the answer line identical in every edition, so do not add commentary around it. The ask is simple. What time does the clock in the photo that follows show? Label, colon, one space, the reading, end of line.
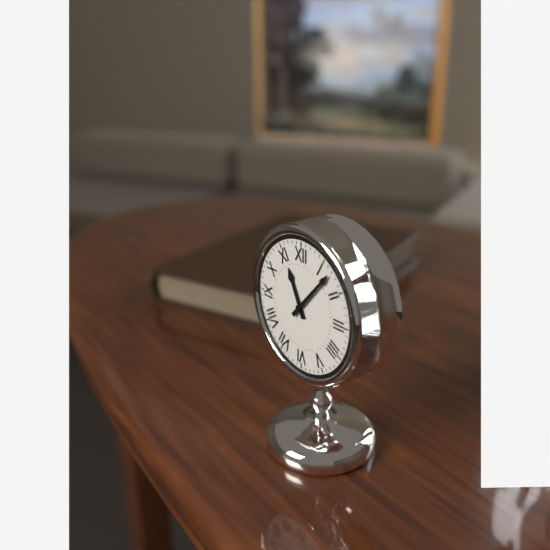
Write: 11:07
